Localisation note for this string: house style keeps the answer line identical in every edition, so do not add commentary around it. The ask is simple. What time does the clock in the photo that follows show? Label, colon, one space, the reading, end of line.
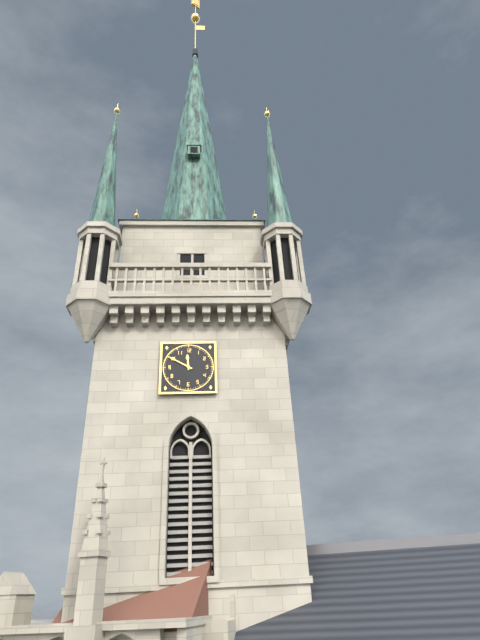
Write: 11:50
